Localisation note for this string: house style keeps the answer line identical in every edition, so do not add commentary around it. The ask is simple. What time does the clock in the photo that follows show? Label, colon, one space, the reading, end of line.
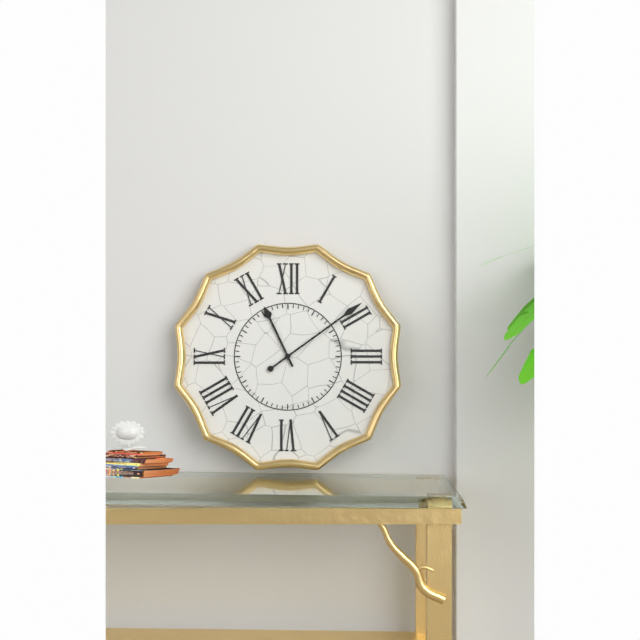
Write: 11:09
